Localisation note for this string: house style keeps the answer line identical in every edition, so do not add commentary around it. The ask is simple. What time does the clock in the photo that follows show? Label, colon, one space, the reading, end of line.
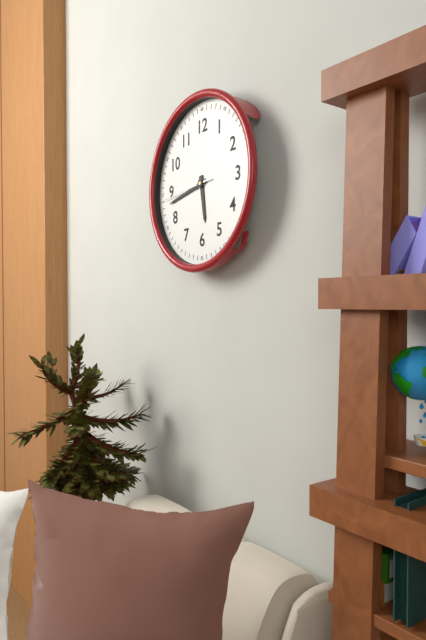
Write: 5:43:44
